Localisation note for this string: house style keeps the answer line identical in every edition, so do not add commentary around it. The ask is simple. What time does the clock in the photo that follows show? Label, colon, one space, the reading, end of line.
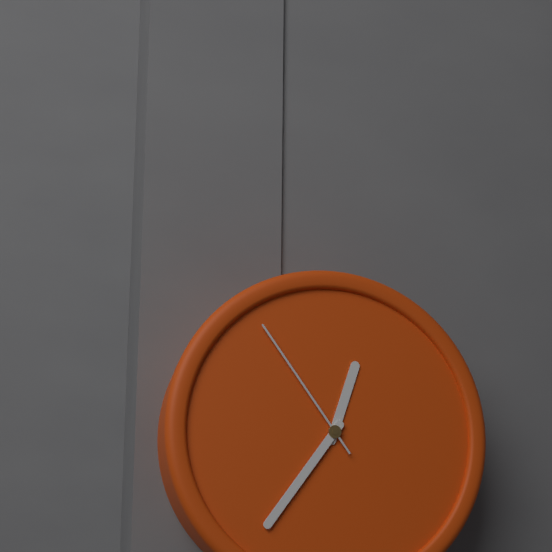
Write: 12:36:54
